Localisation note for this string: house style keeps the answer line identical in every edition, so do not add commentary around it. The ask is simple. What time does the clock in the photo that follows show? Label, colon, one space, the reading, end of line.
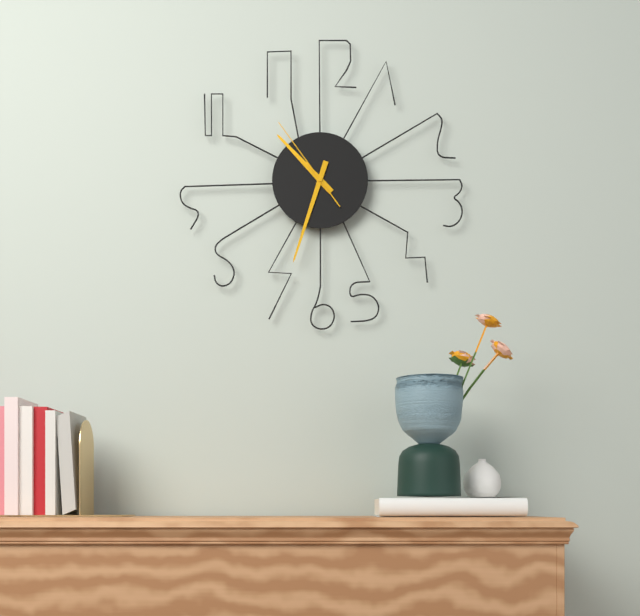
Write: 10:33:54
